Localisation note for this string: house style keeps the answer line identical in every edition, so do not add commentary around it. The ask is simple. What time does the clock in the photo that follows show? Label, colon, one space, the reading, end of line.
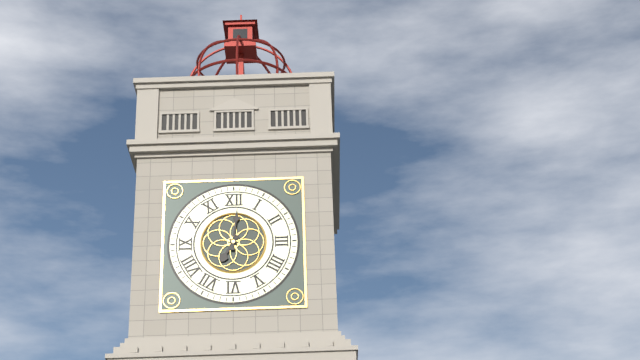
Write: 7:01
